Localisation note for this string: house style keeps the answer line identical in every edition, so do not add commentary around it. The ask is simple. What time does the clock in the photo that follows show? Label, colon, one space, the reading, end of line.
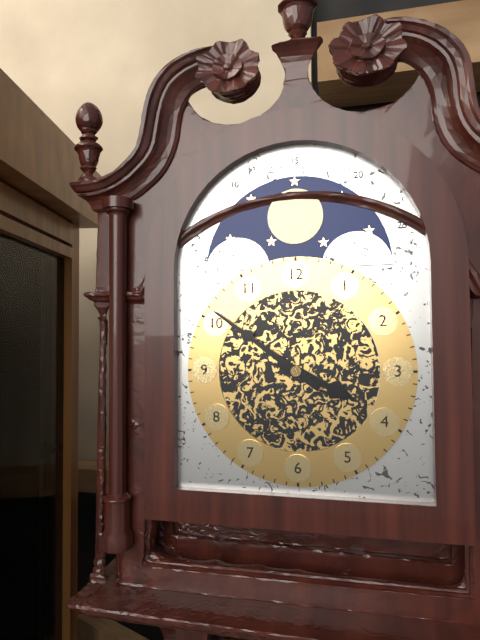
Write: 3:51
